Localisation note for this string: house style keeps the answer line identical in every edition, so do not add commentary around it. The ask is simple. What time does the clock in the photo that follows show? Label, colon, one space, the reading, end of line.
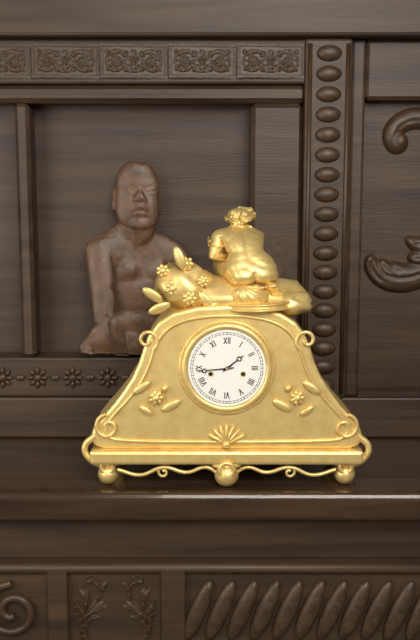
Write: 1:44
